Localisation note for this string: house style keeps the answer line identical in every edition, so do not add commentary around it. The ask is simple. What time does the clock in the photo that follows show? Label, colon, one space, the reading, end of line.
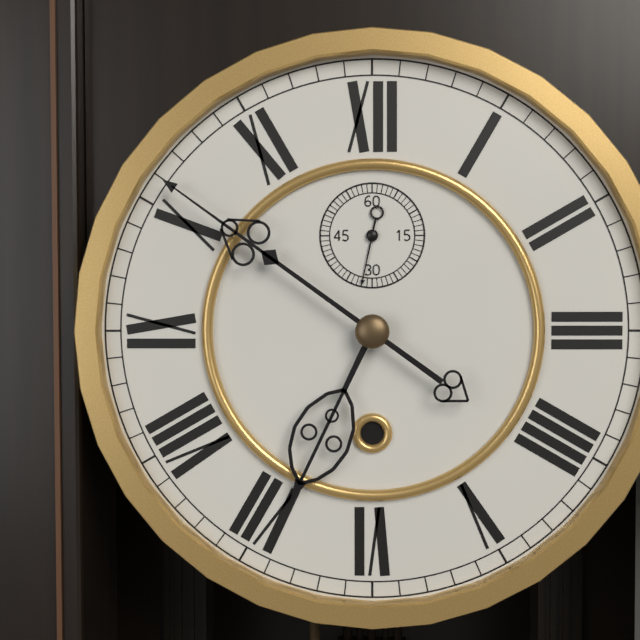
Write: 6:51:32
